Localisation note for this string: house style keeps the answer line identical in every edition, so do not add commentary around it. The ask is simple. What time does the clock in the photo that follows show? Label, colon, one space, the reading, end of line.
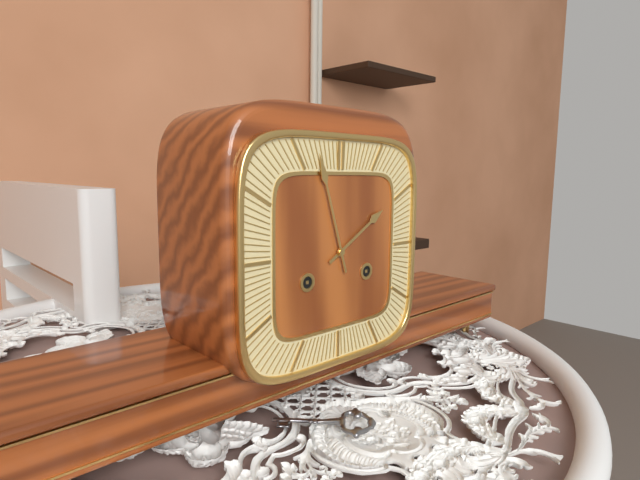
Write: 1:57
